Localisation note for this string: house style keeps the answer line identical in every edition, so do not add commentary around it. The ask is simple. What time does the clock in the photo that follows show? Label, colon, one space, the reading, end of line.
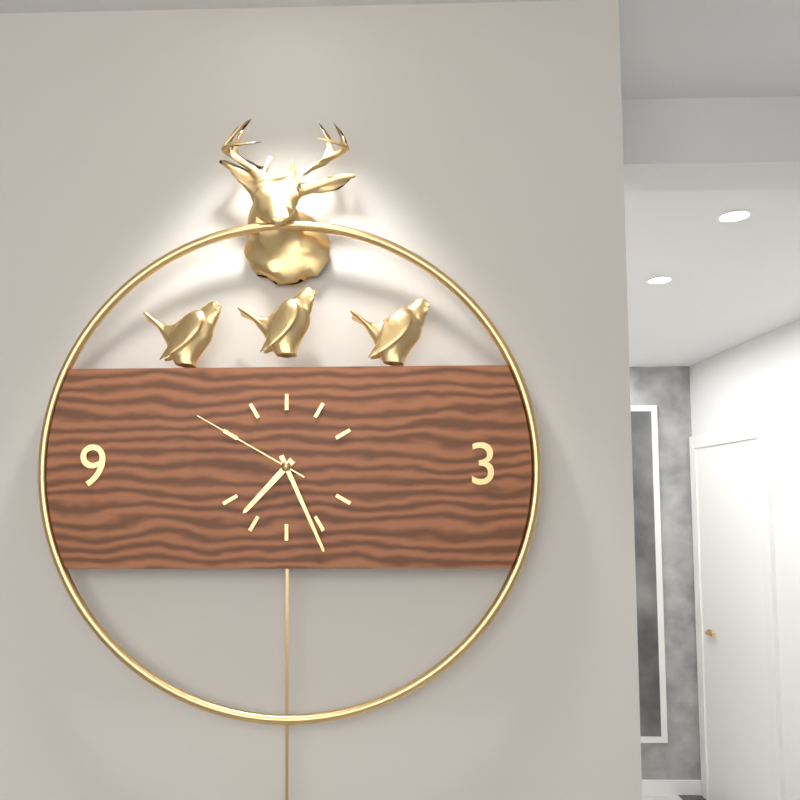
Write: 7:26:50
